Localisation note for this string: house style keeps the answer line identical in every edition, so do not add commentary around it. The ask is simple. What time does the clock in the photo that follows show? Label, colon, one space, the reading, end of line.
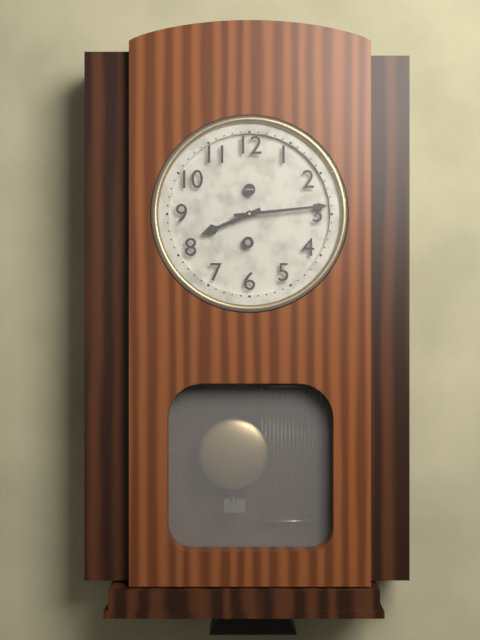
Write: 8:14
